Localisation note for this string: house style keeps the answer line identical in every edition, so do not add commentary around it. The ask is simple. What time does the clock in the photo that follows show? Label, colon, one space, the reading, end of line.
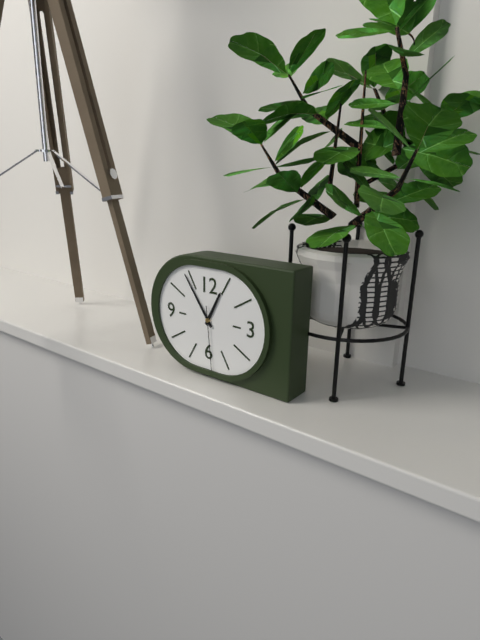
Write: 12:54:29
